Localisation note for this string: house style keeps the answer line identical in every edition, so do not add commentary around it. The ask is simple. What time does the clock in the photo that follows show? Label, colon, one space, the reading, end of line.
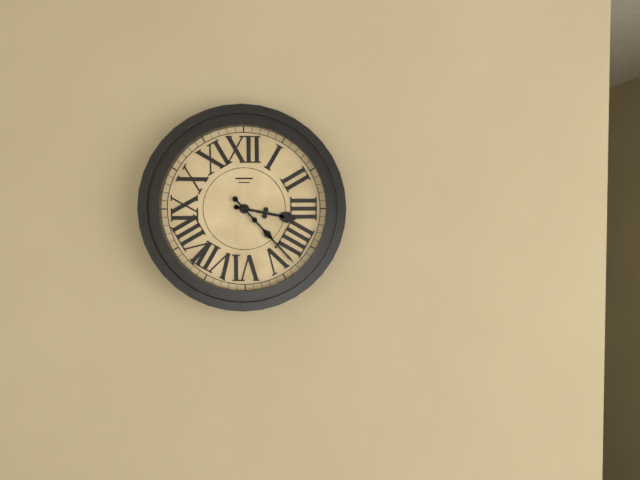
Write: 3:23
